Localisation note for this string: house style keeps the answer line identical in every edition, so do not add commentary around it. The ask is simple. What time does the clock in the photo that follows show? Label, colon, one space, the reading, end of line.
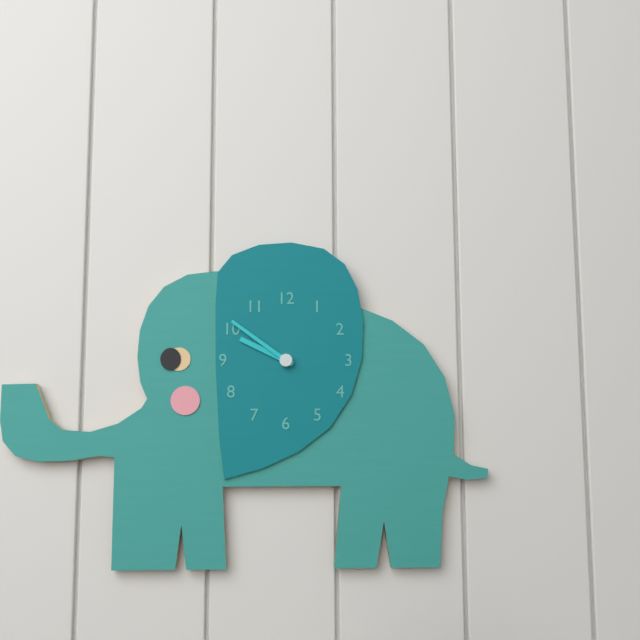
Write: 9:51
